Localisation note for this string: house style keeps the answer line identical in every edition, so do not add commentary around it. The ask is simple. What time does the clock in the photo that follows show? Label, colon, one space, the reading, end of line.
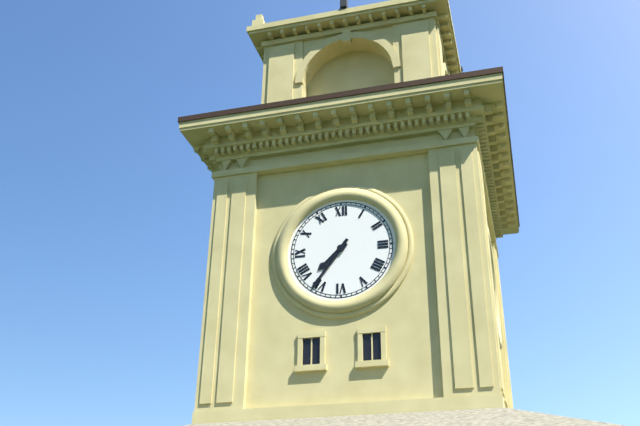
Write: 7:36
